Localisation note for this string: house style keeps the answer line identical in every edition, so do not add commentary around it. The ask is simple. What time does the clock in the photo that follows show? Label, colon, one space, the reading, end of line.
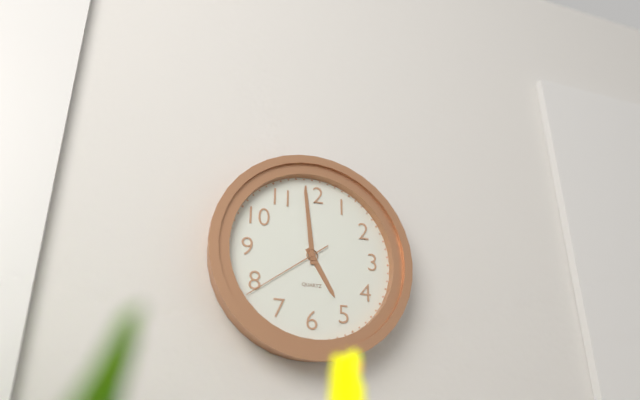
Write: 4:59:39
